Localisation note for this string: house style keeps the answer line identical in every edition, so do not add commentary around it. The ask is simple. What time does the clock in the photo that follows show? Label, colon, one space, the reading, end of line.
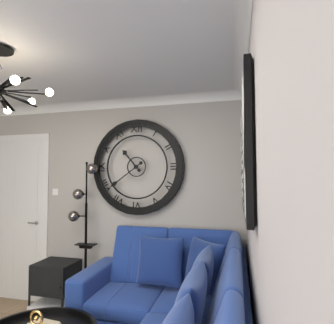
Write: 10:39
